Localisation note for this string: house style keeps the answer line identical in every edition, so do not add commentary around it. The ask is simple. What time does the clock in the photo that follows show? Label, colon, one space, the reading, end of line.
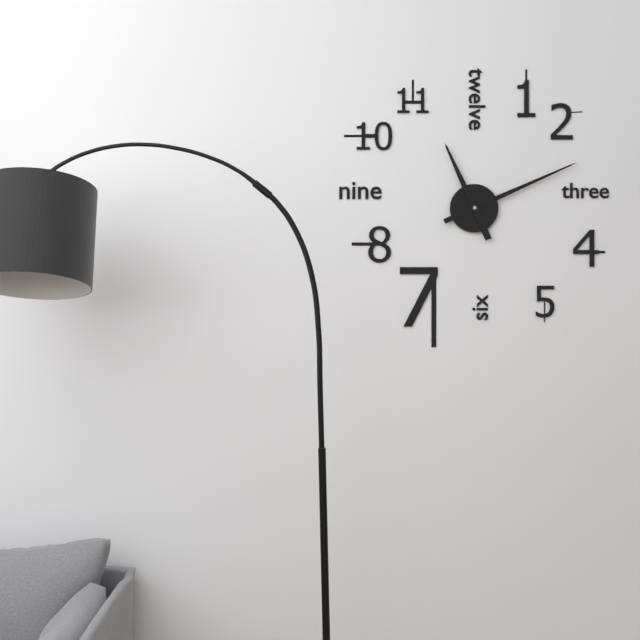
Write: 11:11
